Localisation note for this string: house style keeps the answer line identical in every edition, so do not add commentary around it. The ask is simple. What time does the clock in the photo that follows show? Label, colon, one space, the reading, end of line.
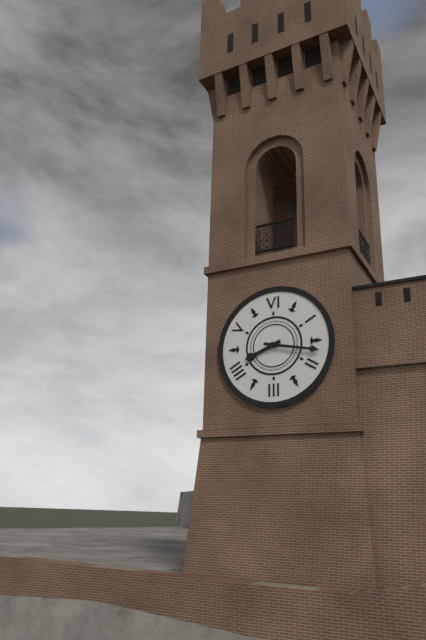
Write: 8:17
